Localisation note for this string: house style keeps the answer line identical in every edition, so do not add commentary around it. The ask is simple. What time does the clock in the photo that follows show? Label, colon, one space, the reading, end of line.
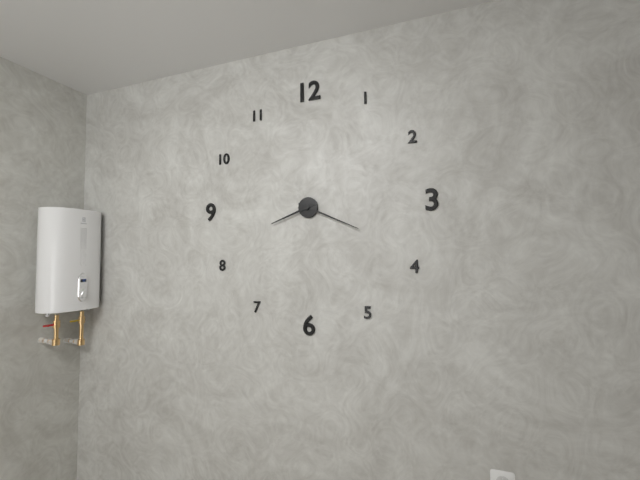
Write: 8:19
